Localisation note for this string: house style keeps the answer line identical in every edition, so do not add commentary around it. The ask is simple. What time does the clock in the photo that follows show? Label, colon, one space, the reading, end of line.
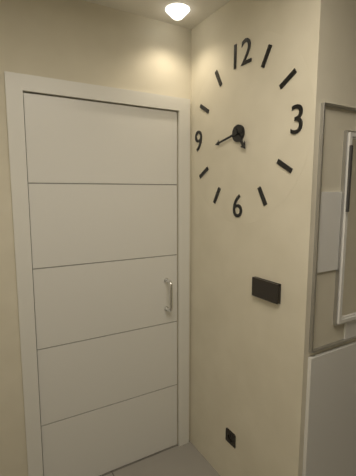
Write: 4:43
